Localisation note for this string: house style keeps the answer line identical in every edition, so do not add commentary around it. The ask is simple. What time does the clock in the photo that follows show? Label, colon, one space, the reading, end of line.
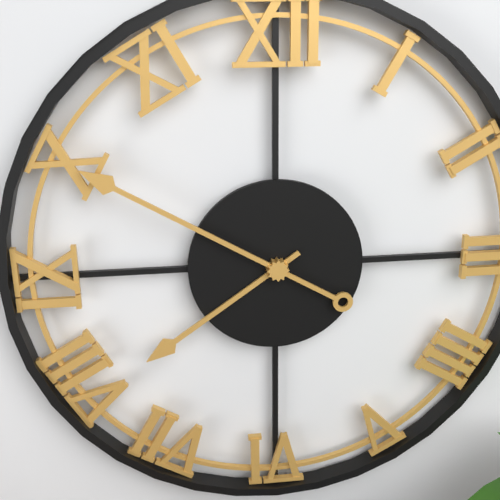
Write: 7:50
